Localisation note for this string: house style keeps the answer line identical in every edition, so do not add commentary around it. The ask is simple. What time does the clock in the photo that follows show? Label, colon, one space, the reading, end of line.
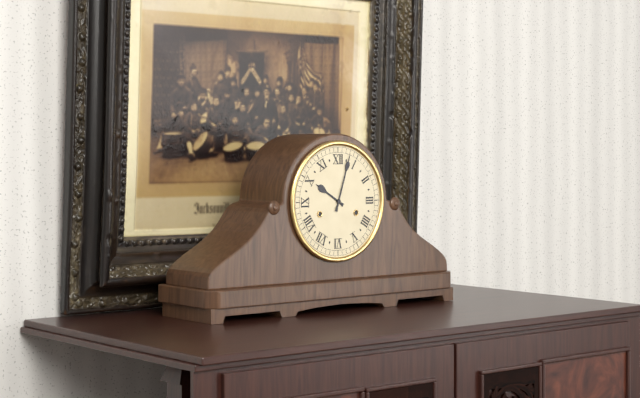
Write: 10:03
